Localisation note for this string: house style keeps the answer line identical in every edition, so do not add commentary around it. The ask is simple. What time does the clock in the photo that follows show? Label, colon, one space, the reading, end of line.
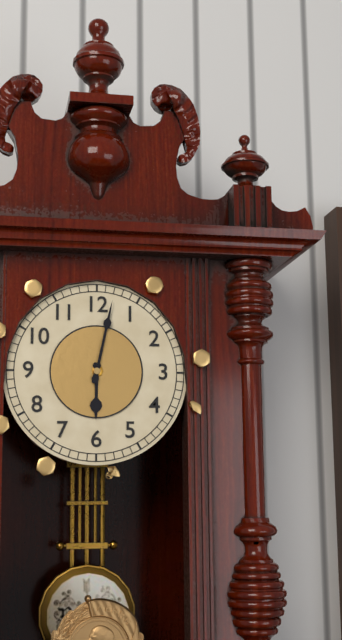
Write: 6:02
